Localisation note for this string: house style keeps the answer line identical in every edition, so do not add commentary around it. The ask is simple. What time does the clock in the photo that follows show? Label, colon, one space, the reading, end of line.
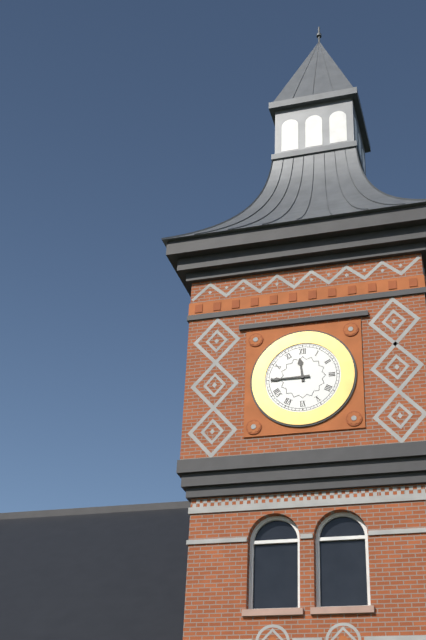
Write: 11:45
